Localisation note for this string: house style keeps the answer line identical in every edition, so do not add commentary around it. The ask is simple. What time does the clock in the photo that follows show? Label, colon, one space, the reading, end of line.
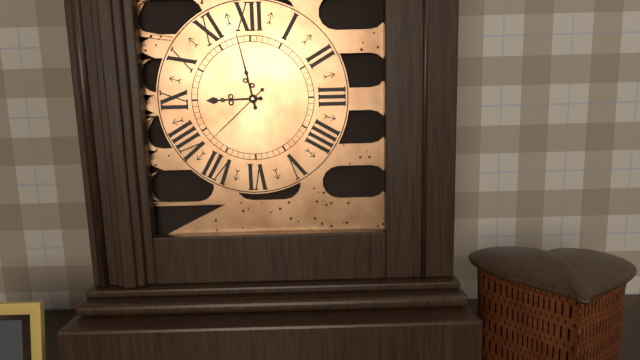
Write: 8:58:38
